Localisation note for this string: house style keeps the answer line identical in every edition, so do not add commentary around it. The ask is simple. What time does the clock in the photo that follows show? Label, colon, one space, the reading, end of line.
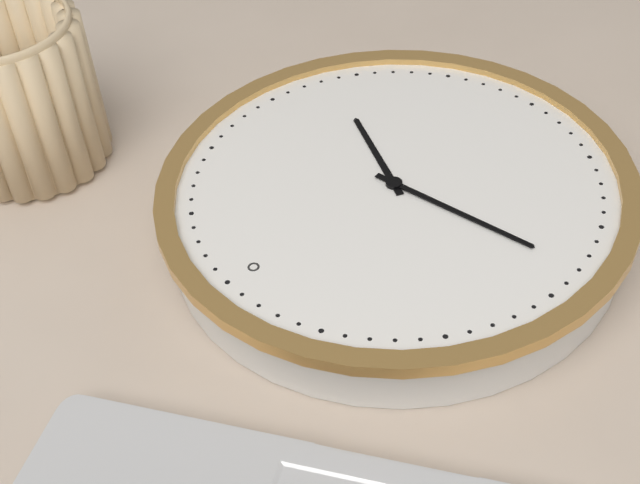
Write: 3:43
